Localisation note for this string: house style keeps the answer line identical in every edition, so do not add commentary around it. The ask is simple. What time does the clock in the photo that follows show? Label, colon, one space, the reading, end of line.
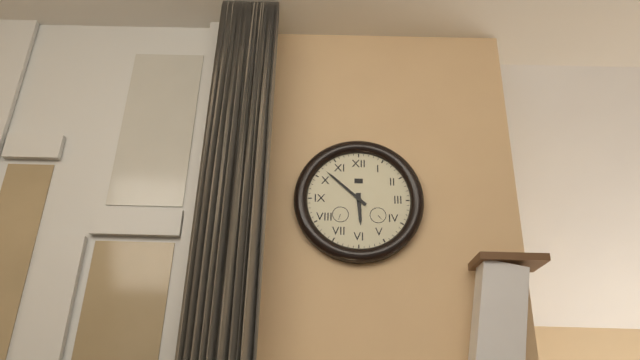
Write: 5:52
